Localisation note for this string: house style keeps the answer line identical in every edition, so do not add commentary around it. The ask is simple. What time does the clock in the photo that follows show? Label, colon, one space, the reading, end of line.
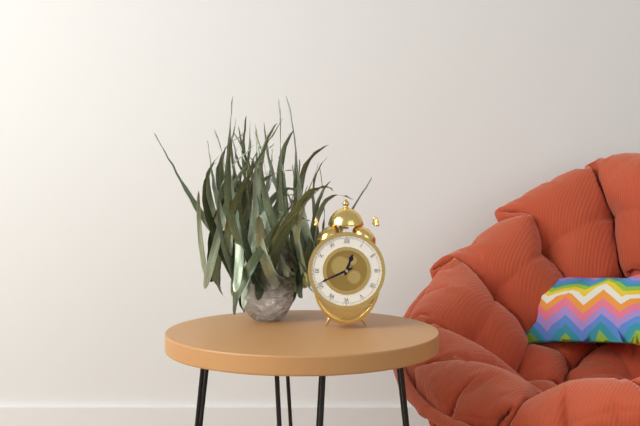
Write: 12:41
